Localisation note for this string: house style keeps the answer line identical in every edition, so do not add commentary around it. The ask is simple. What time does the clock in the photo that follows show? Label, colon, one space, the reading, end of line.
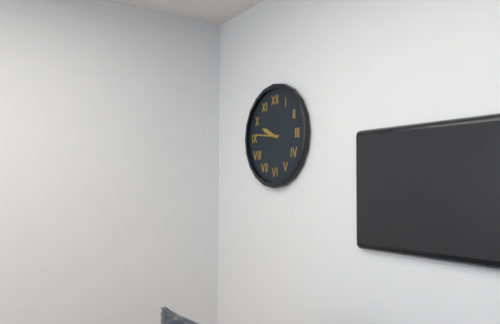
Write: 9:46
